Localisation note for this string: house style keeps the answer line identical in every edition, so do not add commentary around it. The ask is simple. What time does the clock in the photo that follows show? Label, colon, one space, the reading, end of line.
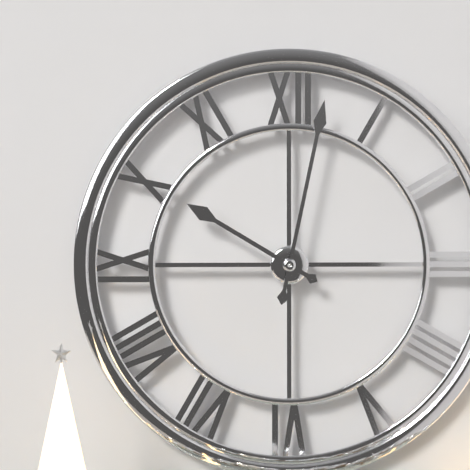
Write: 10:02
